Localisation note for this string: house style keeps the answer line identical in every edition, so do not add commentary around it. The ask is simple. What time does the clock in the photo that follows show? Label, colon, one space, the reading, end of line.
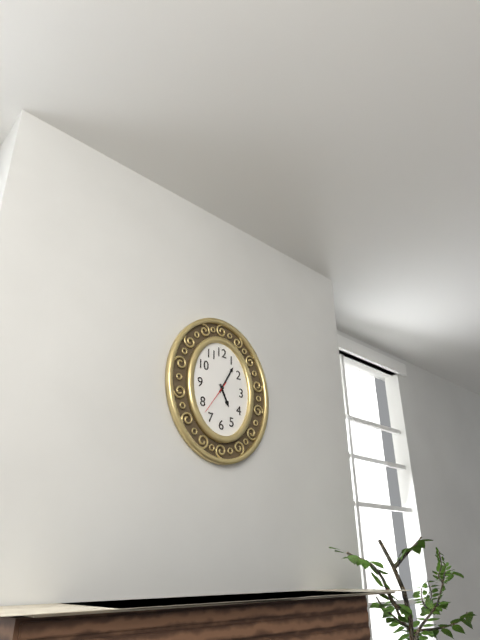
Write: 5:05
